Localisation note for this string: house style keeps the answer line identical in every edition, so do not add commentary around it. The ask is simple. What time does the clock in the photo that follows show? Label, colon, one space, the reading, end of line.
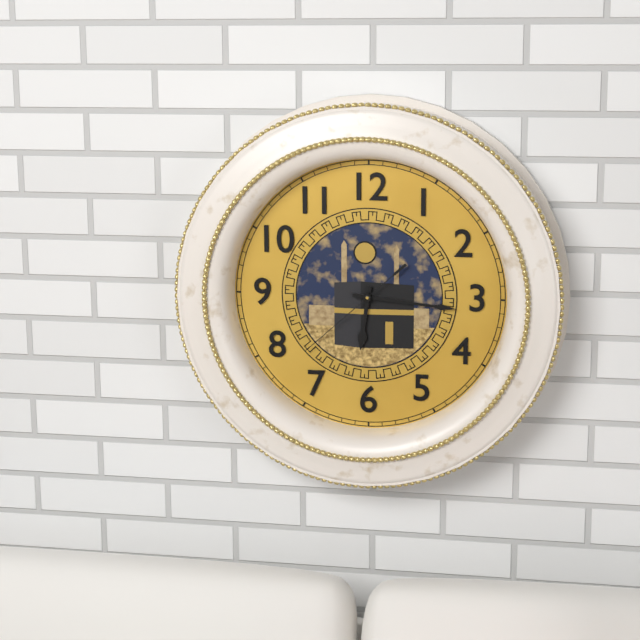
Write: 6:16:38
